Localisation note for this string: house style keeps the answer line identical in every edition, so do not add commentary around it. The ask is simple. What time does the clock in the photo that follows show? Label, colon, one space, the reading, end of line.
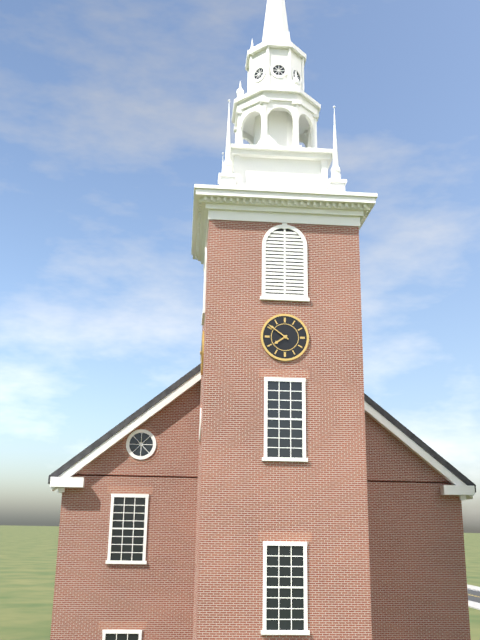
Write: 7:51
